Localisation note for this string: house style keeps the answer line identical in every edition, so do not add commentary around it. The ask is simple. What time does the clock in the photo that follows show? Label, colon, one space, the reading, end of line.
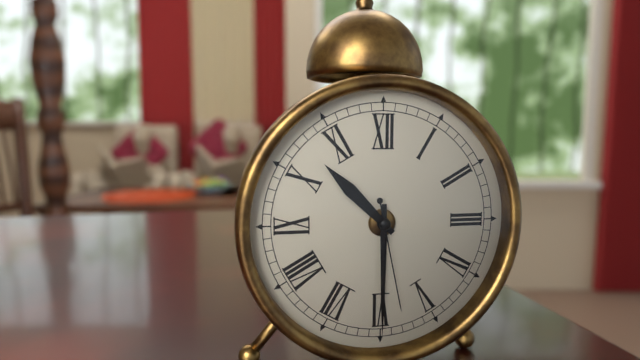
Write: 10:30:28
